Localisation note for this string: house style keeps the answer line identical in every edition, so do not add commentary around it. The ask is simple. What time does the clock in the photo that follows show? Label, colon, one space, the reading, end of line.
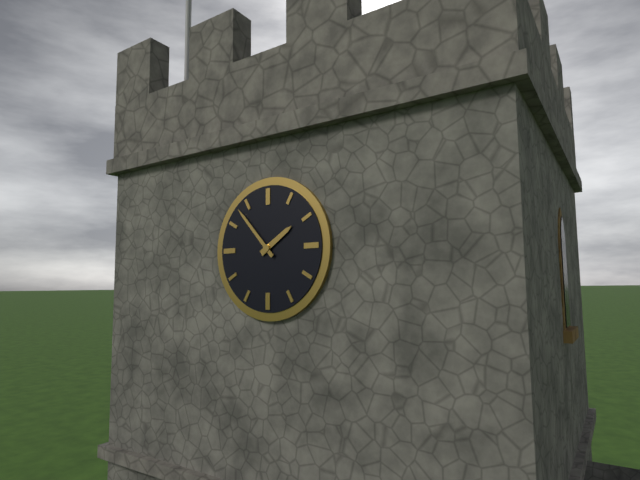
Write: 1:53
